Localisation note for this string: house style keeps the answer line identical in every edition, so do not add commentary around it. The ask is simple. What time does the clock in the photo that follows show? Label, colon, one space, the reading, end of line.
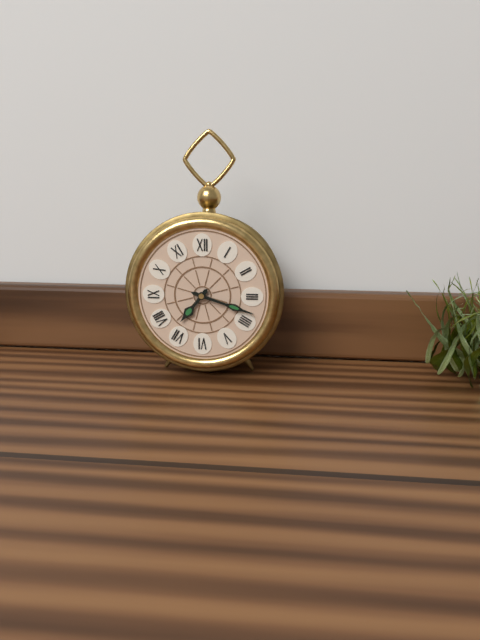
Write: 7:18
